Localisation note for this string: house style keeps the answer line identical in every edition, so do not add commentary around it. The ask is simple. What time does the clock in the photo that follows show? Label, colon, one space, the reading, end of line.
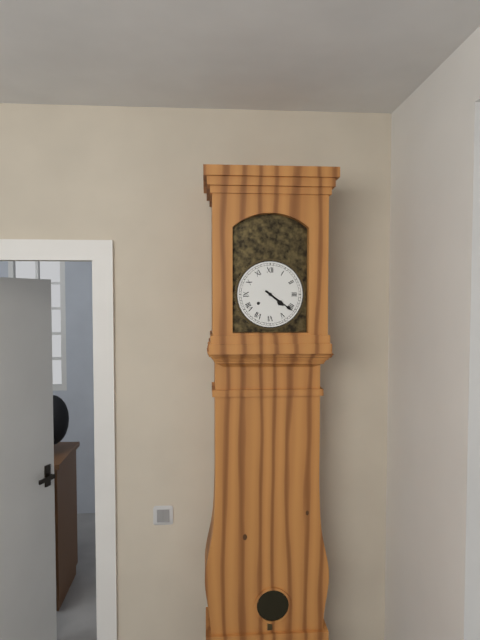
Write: 4:21
